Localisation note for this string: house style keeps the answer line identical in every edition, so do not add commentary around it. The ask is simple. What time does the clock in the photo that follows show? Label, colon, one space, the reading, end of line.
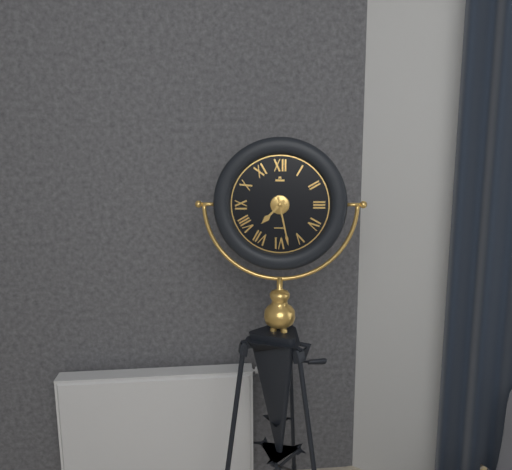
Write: 7:28
